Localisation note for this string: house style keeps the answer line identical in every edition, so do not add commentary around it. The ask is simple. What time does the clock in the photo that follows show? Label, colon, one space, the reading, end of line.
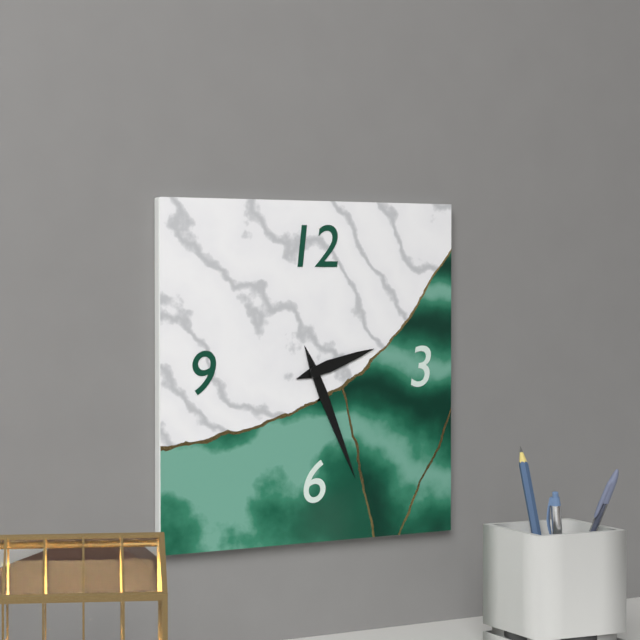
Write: 2:26
